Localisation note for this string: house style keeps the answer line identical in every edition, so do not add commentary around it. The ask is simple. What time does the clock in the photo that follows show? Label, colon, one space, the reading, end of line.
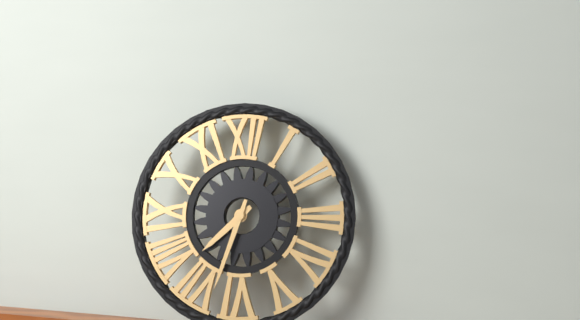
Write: 7:33
